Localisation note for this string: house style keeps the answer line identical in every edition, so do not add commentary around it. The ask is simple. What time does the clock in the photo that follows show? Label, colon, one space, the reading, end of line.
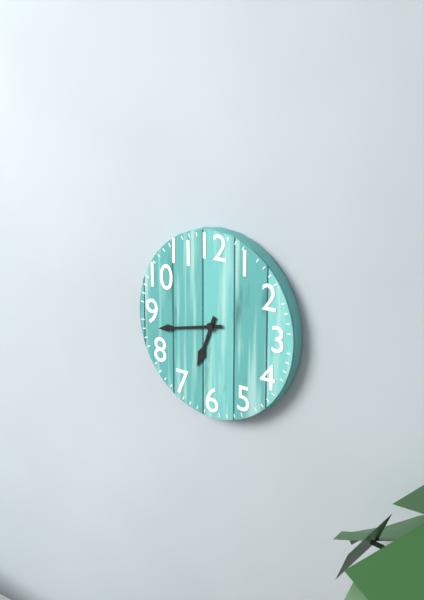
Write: 6:43
